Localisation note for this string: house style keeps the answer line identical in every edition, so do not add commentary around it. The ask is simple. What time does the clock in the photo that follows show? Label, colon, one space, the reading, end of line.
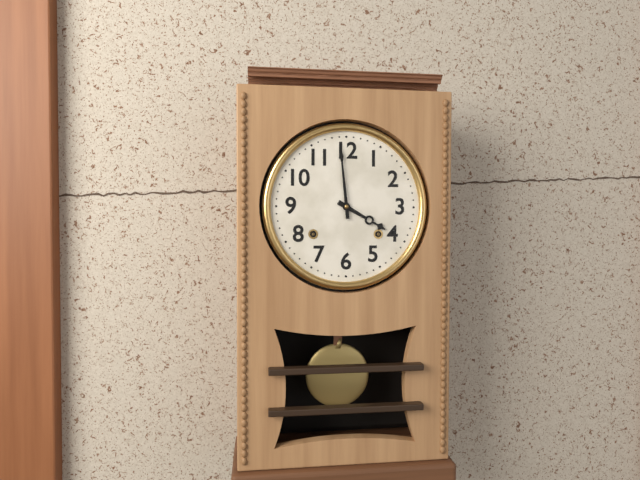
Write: 3:59
